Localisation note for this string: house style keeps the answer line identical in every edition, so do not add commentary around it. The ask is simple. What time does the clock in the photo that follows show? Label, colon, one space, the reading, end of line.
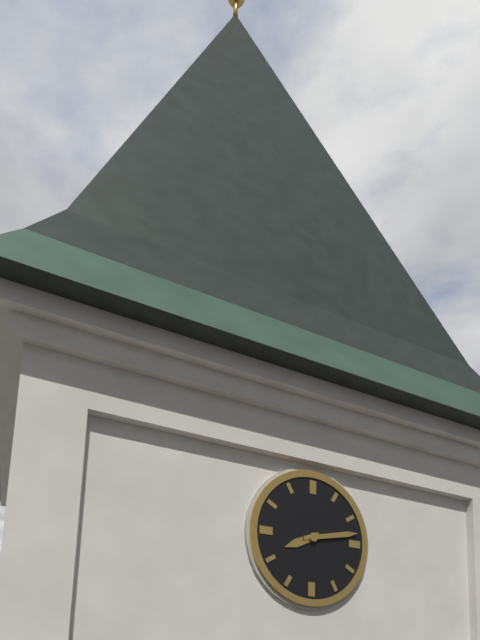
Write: 8:13
